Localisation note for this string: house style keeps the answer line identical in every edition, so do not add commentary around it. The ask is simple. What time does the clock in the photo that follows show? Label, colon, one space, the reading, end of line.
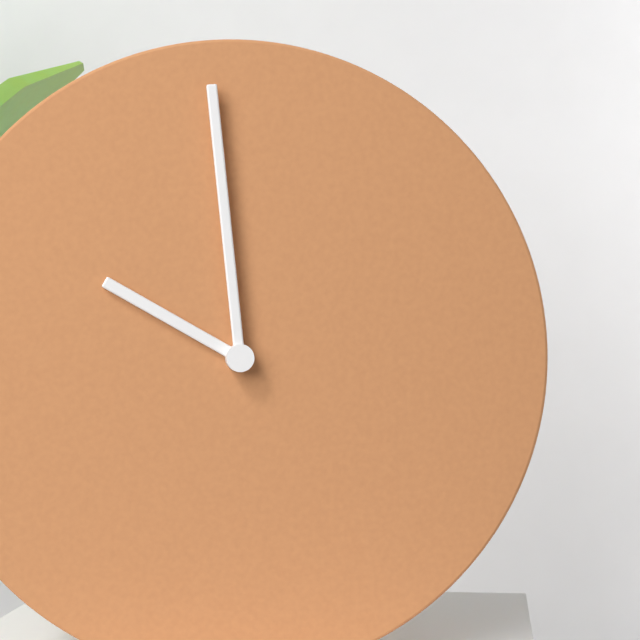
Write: 9:59
